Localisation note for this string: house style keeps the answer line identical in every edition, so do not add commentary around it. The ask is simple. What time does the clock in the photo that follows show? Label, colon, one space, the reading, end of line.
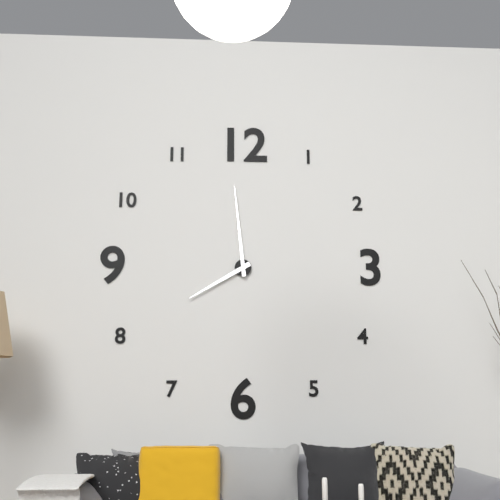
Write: 7:59
